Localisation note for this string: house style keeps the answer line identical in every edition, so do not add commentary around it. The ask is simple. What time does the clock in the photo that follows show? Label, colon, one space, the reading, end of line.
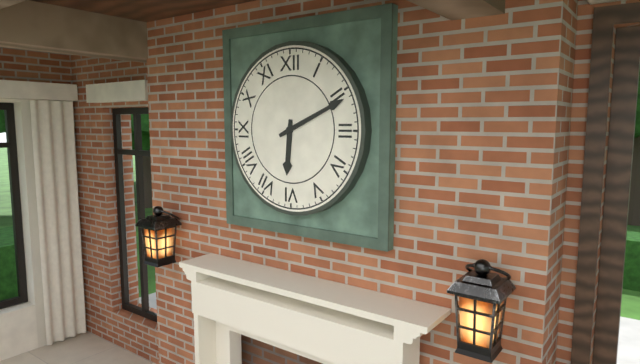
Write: 6:11
